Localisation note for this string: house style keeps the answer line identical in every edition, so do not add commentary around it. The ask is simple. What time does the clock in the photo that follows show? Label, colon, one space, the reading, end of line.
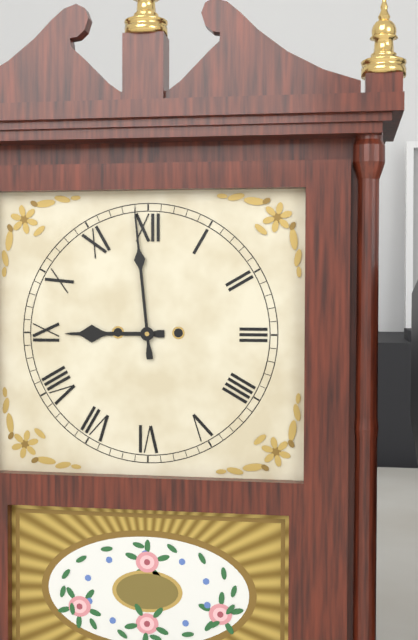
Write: 8:59
